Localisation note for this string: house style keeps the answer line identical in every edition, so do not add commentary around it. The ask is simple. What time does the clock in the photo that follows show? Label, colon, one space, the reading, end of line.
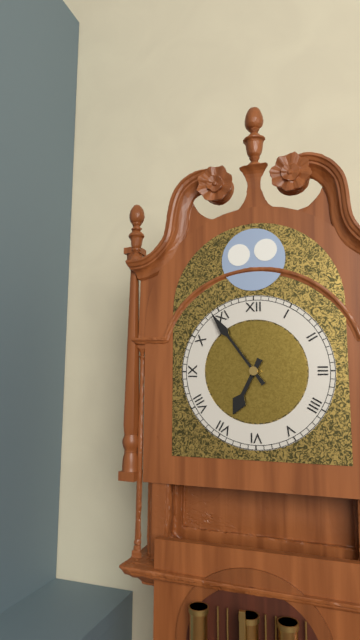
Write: 6:54
